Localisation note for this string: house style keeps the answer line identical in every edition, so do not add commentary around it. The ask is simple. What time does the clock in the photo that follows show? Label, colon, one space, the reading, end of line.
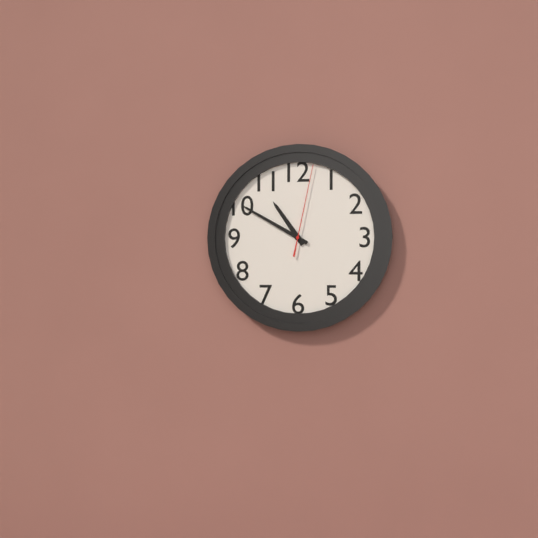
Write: 10:50:02
